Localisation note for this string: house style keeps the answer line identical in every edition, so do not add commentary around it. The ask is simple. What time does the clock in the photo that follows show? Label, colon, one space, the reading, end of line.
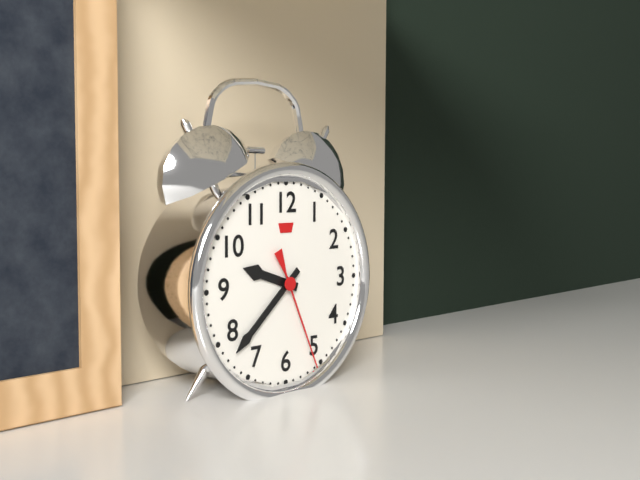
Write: 9:38:26
